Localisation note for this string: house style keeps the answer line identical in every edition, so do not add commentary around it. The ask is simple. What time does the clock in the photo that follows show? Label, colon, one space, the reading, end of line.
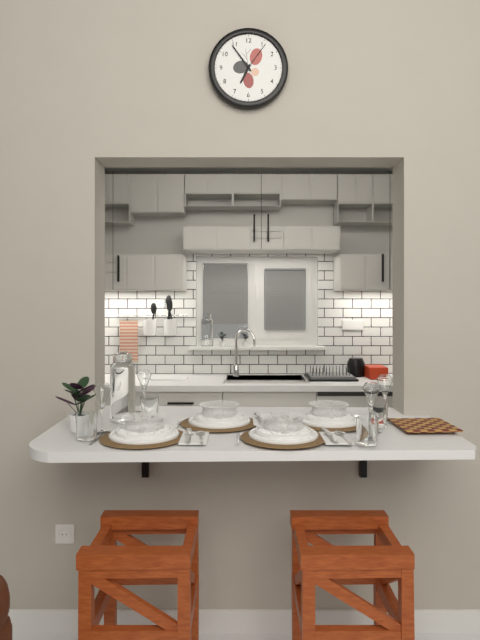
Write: 6:54
